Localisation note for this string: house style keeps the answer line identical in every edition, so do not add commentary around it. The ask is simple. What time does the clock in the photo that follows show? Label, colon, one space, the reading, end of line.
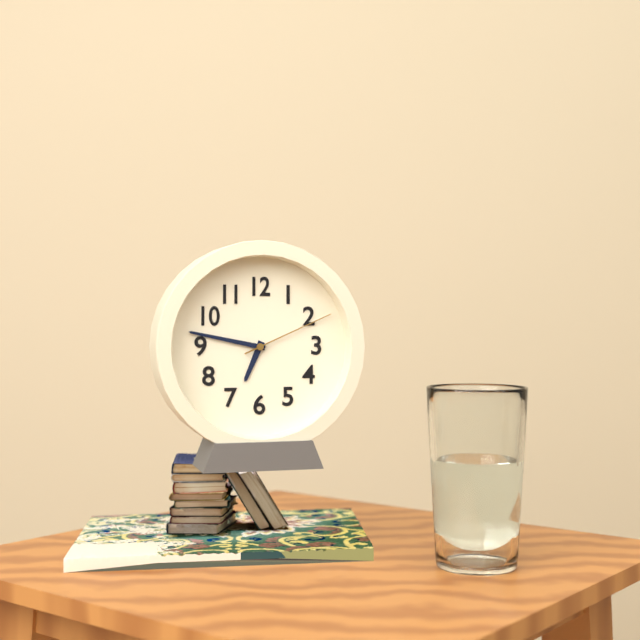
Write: 6:47:11
